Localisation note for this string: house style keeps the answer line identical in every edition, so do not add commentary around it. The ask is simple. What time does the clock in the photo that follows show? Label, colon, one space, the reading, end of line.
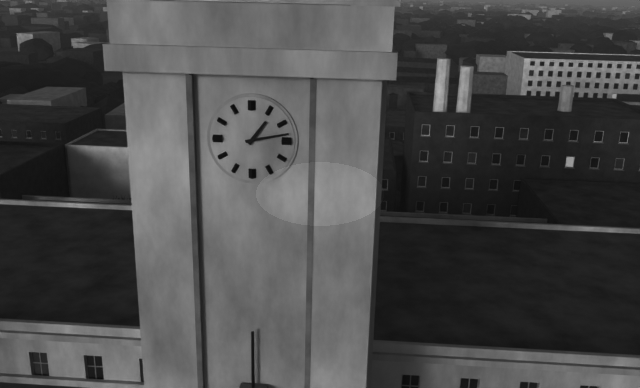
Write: 1:13
